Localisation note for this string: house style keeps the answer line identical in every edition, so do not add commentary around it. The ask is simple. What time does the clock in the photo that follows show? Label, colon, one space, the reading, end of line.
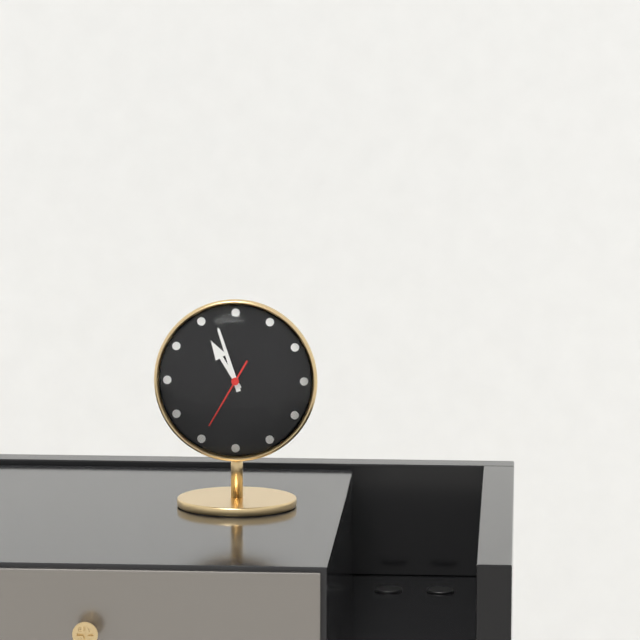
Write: 10:57:35
